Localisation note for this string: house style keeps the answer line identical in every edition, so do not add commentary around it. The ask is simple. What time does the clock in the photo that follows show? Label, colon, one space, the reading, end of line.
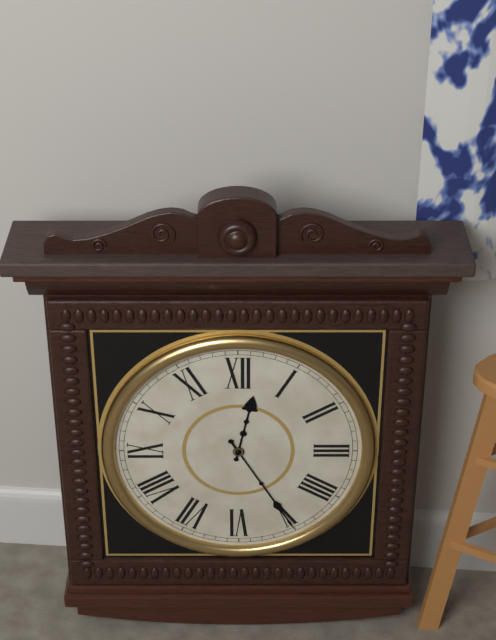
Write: 12:25
